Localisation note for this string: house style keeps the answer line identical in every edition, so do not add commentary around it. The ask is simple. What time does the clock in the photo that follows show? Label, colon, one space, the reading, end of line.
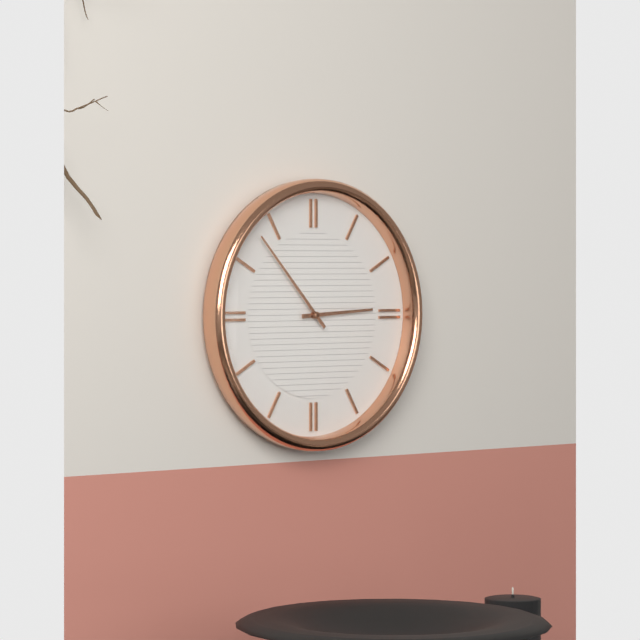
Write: 2:53
